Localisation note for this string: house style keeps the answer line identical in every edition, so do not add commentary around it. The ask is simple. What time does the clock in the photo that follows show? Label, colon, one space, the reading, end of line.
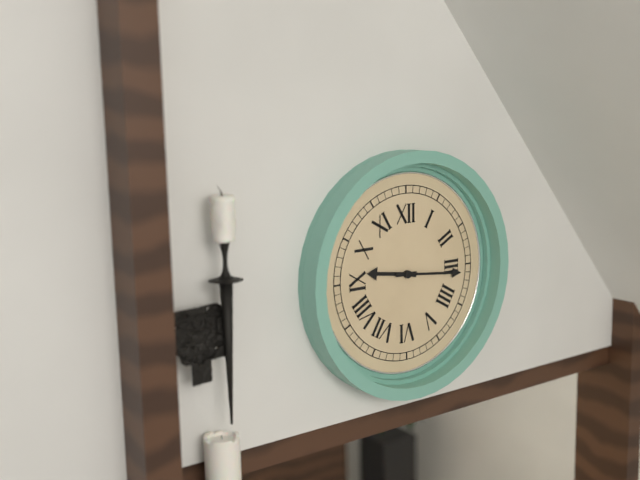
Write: 9:16
